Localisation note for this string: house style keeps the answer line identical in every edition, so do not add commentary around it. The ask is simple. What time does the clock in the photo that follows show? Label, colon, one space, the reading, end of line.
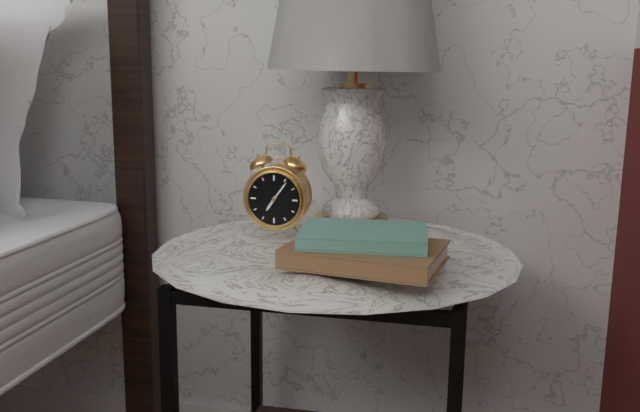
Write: 7:06
